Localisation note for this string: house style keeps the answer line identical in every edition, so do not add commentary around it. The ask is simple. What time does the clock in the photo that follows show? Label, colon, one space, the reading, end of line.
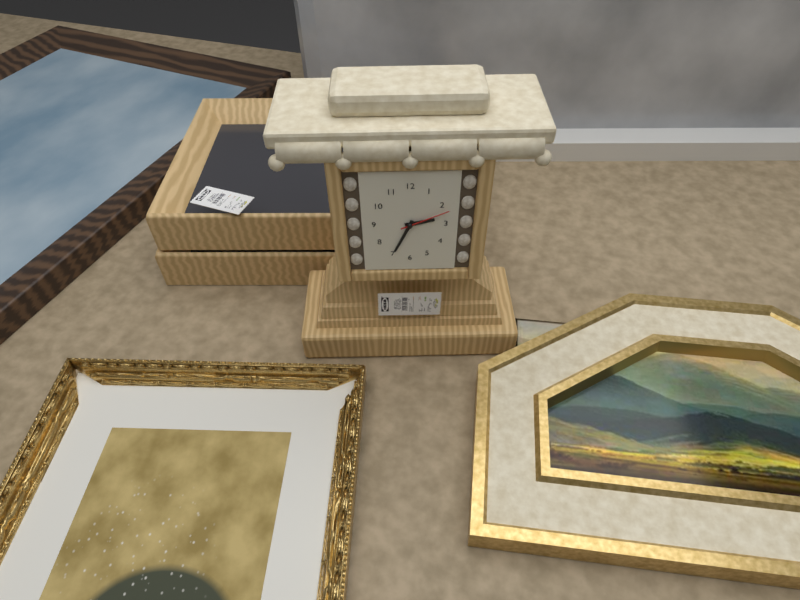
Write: 2:34:11
